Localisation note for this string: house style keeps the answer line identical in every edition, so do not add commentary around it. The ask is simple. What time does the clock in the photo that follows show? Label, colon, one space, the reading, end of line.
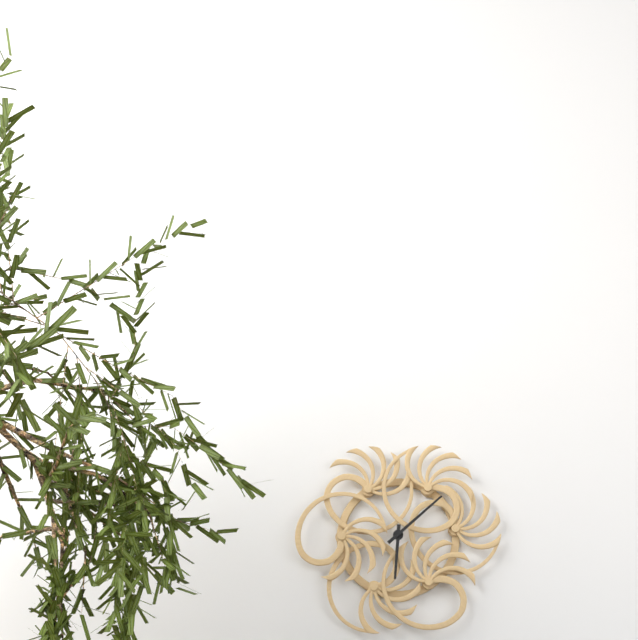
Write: 6:08
